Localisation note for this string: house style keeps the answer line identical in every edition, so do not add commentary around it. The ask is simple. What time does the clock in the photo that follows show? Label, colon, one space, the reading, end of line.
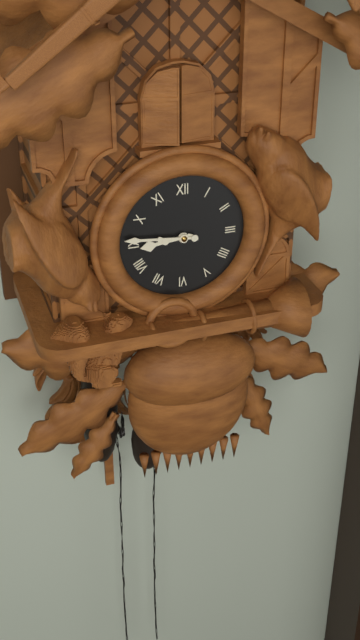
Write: 8:46
